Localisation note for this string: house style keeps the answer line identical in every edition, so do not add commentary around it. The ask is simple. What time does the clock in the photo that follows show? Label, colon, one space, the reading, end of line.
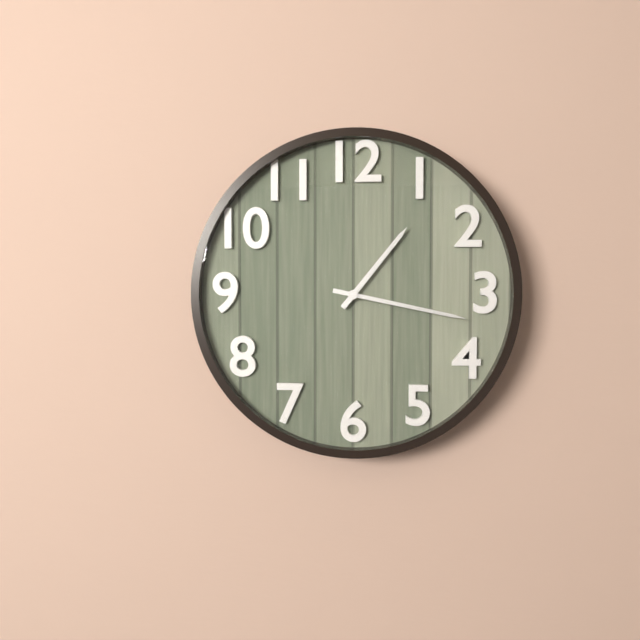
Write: 1:17
